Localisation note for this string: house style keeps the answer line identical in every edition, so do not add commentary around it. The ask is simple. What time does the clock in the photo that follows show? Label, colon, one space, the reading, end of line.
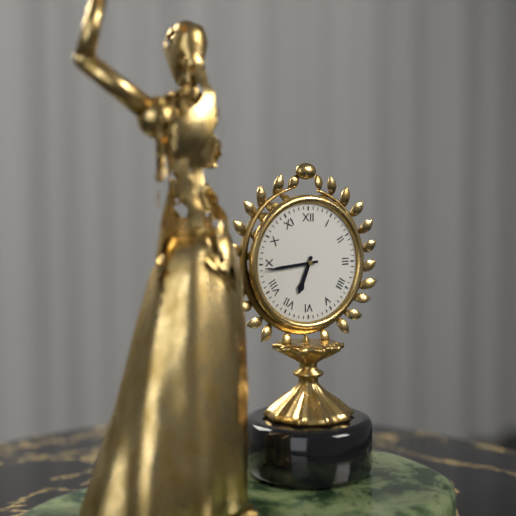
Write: 6:44
